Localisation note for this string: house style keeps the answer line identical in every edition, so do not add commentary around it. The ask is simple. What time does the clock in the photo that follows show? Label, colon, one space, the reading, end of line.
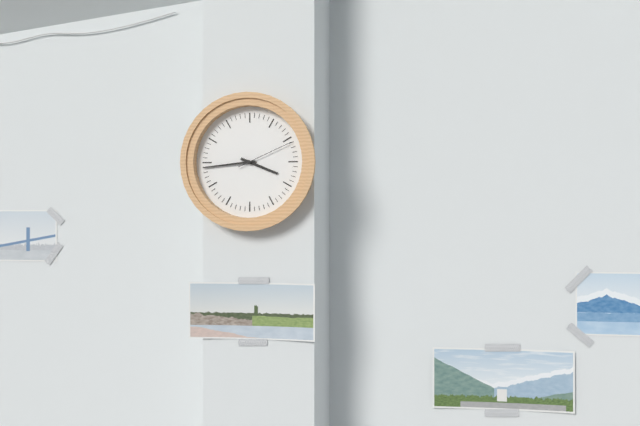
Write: 3:44:11
